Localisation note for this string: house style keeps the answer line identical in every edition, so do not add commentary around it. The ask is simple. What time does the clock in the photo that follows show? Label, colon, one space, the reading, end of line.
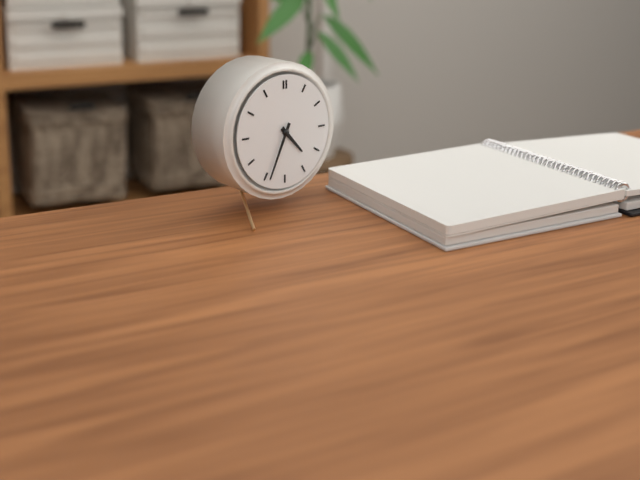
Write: 4:34
